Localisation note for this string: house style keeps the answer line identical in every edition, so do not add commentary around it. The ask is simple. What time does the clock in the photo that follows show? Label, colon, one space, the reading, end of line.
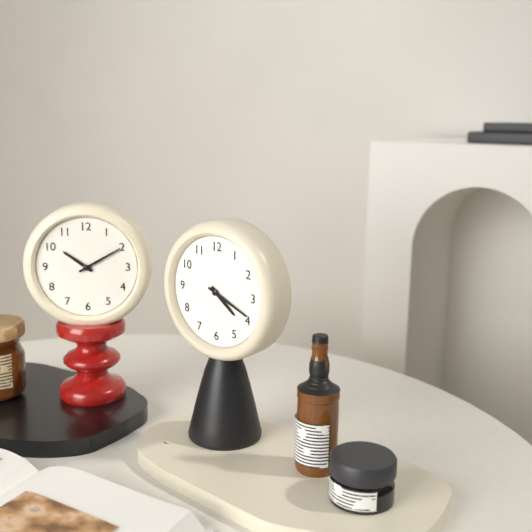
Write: 4:19
